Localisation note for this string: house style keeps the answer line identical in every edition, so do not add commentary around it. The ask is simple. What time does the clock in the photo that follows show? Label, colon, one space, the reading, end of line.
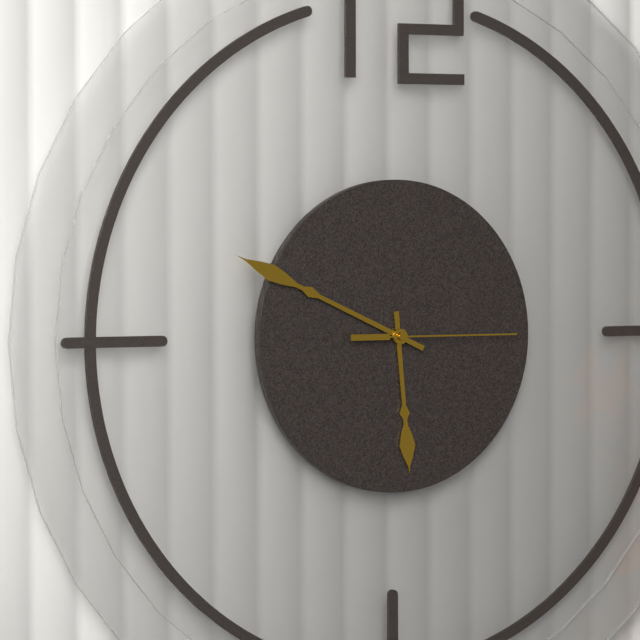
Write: 5:49:15
